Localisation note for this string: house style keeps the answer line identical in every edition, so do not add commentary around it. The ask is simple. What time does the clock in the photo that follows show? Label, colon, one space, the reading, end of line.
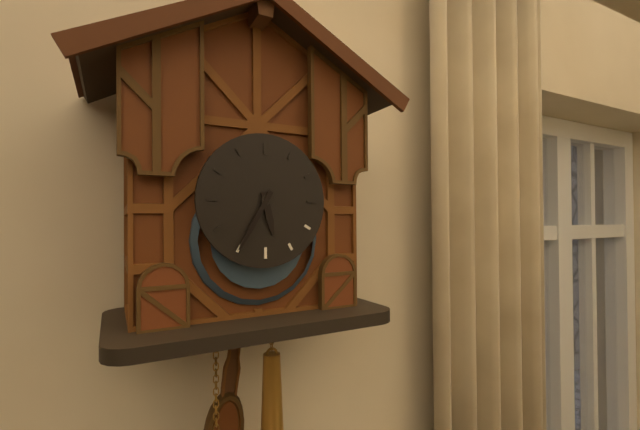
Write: 5:35
